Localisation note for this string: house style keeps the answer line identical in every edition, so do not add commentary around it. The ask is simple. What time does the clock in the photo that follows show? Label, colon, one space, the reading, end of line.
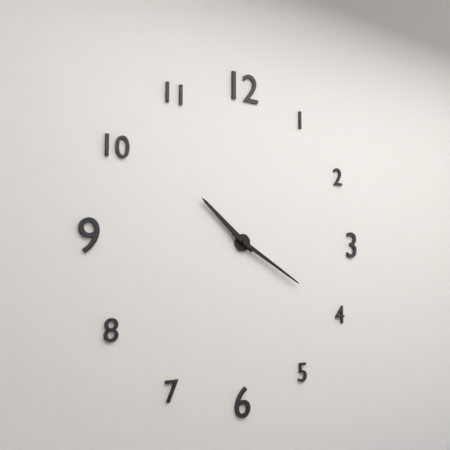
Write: 10:20
